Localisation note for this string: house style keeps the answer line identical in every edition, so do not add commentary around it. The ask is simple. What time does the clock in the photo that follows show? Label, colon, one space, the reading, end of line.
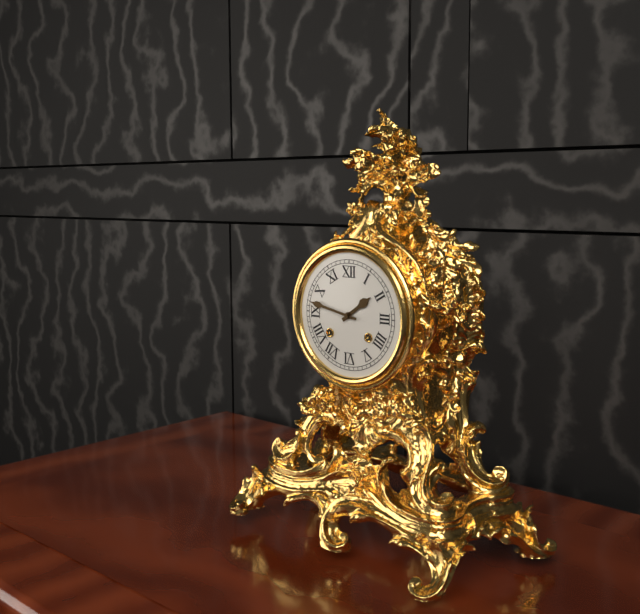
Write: 1:47
